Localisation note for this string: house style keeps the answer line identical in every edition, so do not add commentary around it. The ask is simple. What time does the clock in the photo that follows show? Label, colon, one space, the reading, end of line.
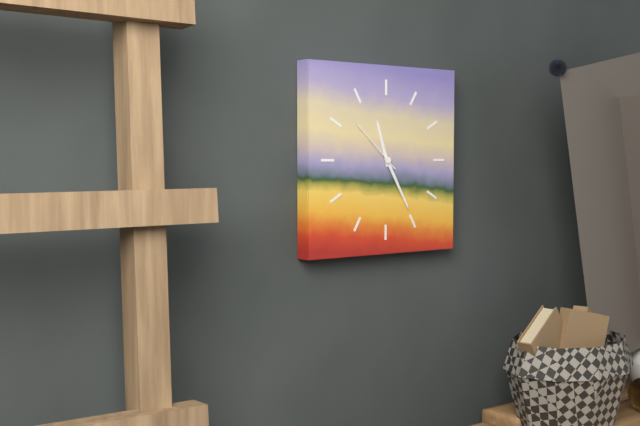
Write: 11:25:52
